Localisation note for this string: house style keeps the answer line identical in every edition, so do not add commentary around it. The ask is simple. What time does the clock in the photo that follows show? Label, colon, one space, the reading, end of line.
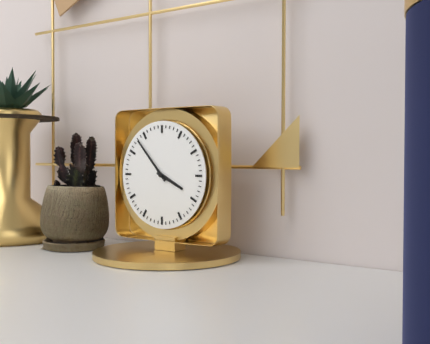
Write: 3:53
